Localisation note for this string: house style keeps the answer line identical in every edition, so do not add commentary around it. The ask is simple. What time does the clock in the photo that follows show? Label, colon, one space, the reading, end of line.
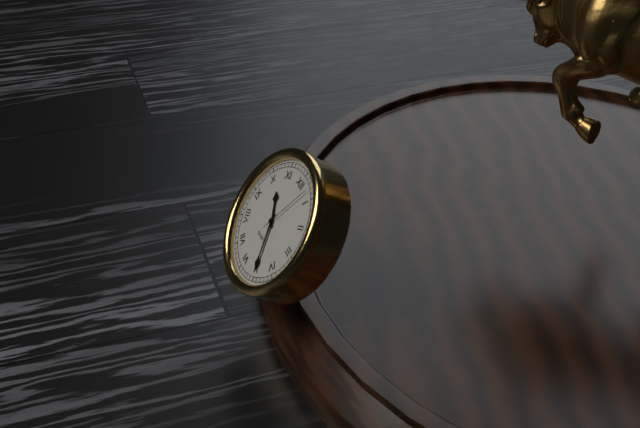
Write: 10:25:03
